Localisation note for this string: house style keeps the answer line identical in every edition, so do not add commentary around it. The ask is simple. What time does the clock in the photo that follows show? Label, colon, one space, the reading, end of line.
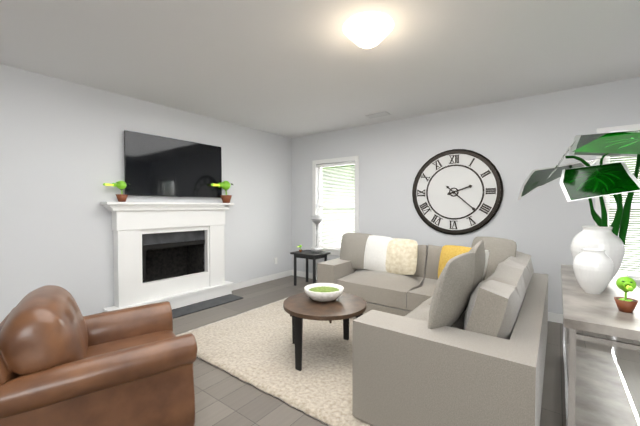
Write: 2:22
